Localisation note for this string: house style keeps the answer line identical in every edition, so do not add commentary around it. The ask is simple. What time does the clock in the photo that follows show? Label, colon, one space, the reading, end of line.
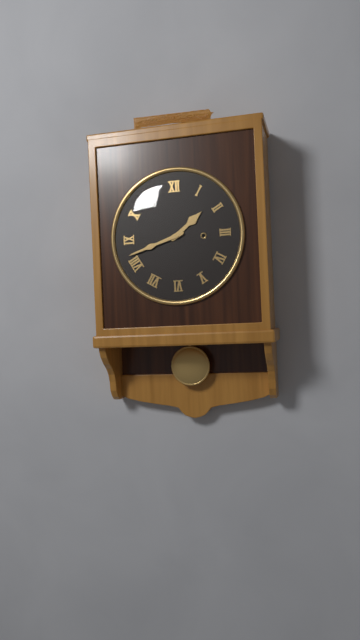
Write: 1:42
